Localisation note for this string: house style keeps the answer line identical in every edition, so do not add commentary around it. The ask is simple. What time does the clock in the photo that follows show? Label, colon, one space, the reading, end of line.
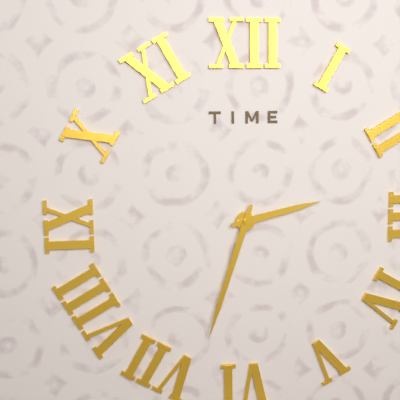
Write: 2:33
